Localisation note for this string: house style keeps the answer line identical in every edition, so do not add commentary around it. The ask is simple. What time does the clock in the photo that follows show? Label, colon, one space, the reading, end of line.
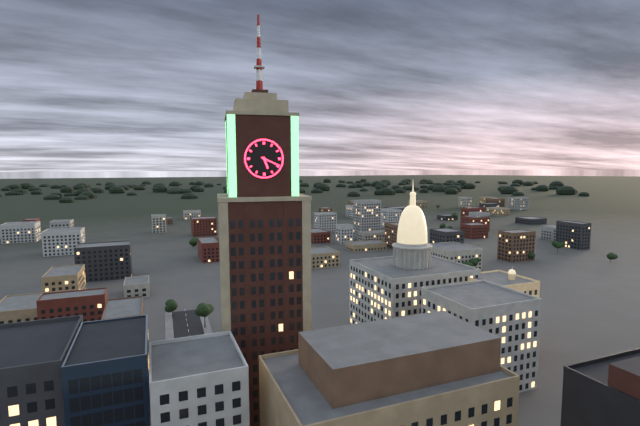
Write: 5:19
